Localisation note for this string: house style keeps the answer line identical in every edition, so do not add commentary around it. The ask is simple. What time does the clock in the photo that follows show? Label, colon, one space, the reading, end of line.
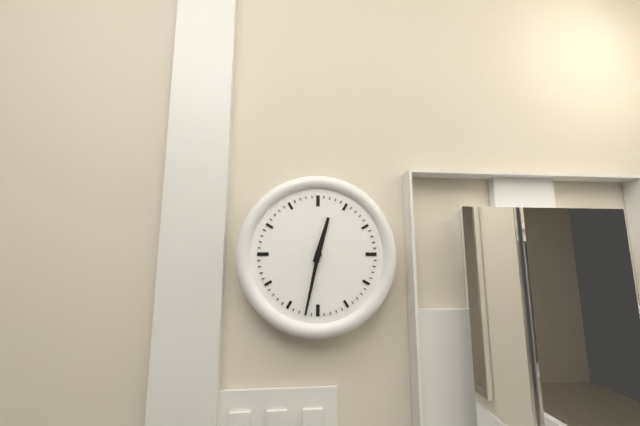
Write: 12:32
